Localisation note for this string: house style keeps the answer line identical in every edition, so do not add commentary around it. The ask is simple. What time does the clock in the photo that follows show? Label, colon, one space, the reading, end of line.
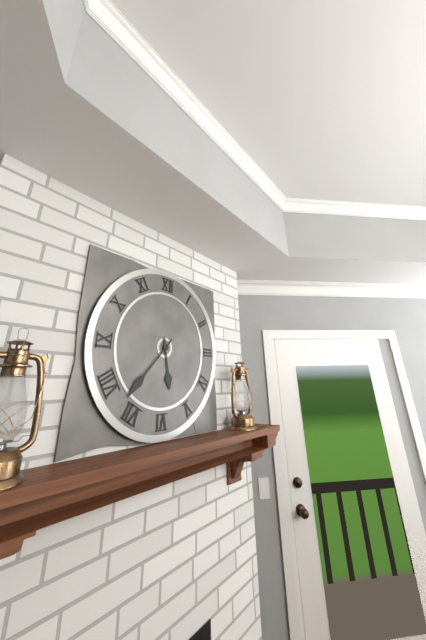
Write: 5:37
